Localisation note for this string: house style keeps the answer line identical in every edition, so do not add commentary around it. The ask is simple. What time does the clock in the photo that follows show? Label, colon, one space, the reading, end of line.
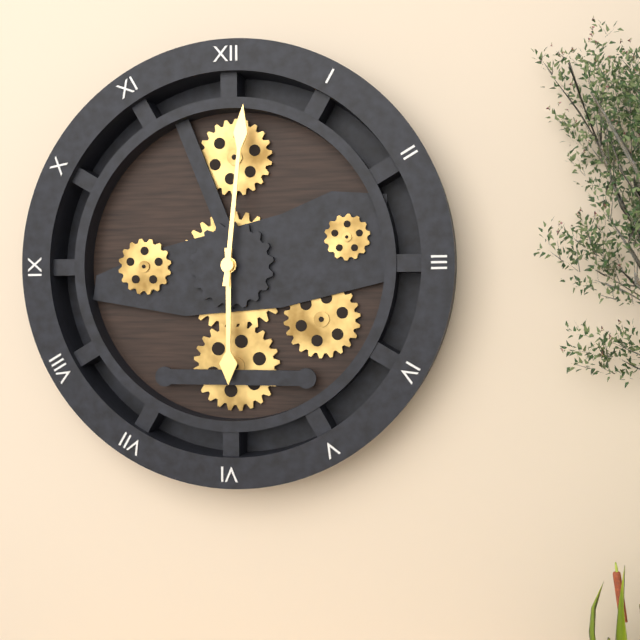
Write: 6:01
